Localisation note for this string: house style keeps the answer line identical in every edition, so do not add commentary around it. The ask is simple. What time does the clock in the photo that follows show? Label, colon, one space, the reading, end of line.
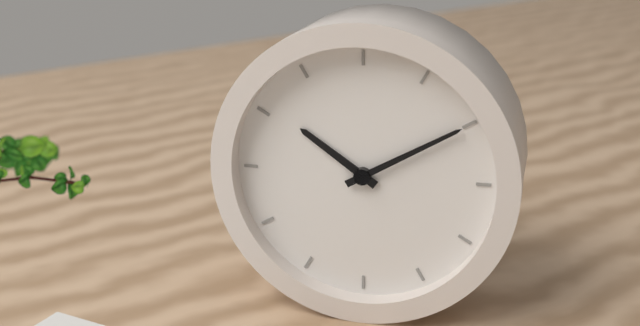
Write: 10:10
